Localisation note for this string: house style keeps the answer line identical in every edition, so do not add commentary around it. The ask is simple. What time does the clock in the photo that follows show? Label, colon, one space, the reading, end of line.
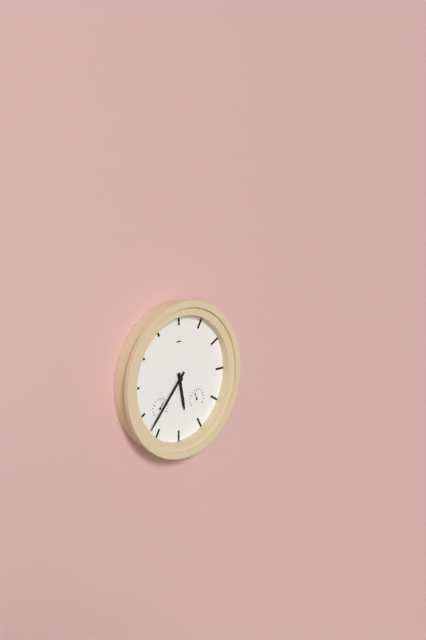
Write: 5:37
